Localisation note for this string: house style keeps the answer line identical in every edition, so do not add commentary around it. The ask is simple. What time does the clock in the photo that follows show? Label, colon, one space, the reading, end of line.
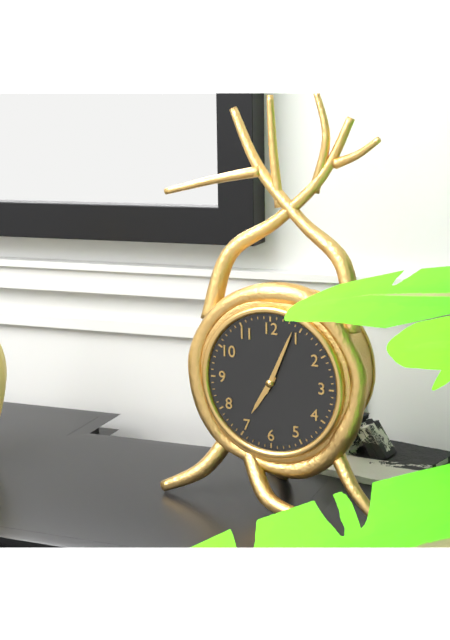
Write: 7:04
